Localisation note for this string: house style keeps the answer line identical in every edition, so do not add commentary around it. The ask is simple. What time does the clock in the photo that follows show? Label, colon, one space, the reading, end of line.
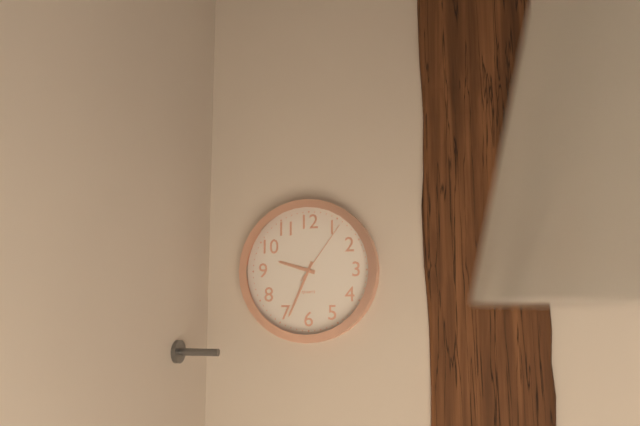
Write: 9:34:06
